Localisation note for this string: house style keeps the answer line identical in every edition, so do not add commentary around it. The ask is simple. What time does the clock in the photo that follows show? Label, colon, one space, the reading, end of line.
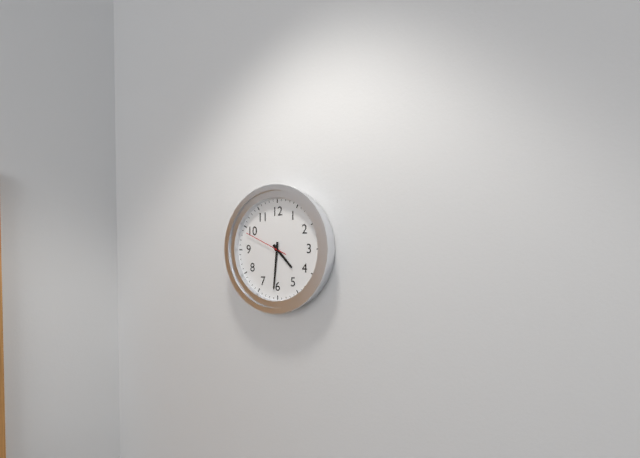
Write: 4:31
